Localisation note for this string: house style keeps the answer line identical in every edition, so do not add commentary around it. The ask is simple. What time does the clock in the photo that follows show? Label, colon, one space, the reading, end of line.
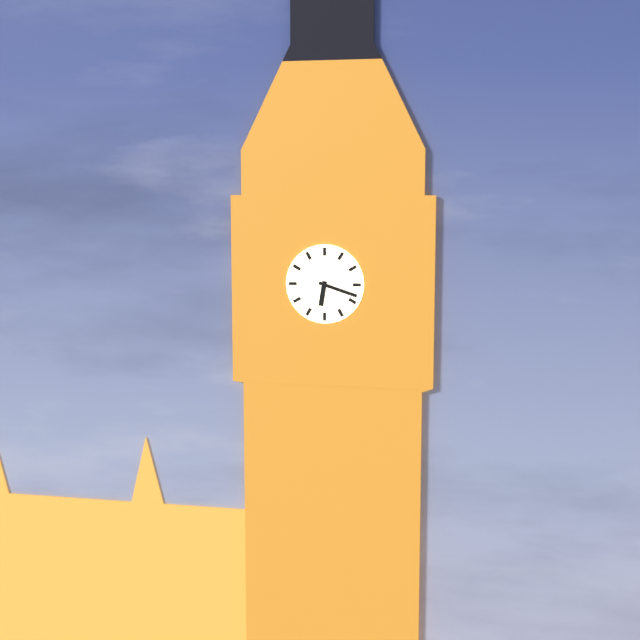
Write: 6:18
